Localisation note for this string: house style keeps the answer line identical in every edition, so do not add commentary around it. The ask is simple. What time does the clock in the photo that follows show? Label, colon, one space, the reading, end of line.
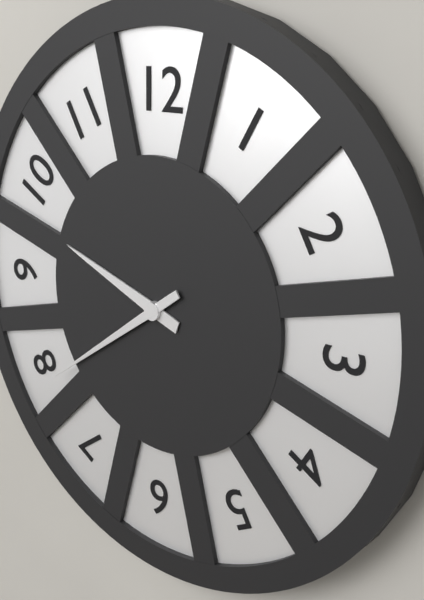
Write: 9:39
